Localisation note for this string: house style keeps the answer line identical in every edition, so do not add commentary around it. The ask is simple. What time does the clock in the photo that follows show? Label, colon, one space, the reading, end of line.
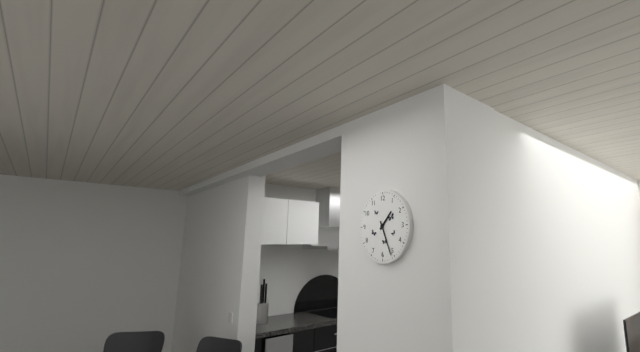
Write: 1:26
